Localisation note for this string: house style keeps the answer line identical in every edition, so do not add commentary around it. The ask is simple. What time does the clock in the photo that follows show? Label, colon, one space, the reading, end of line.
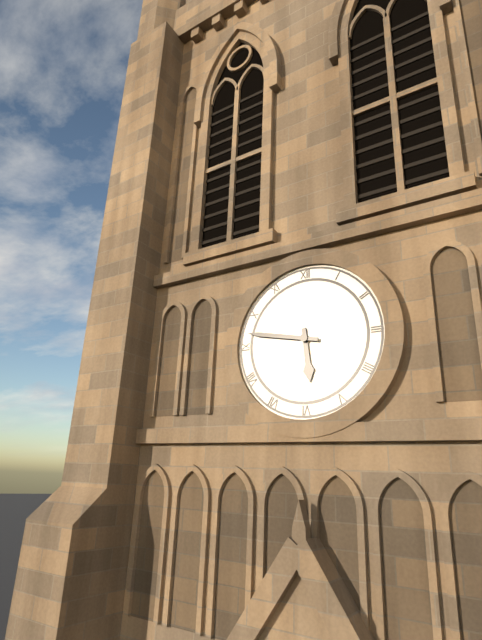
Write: 5:47
